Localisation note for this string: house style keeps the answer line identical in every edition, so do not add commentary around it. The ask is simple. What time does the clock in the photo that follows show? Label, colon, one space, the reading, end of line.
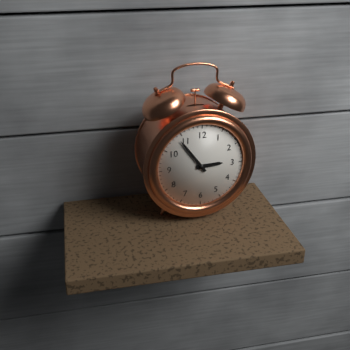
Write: 2:54
